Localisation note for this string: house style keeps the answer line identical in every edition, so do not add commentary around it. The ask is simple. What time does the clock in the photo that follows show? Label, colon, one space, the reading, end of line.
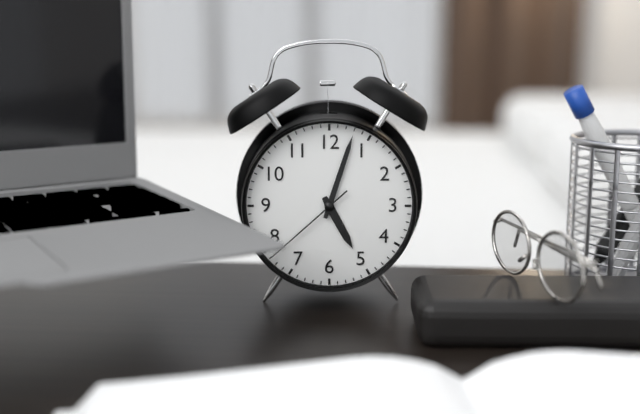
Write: 5:03:38
